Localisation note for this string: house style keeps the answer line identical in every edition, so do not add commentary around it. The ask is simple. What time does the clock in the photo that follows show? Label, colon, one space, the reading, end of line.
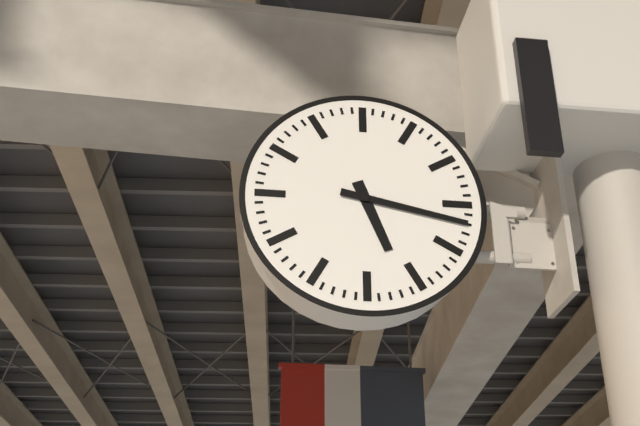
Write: 5:17
